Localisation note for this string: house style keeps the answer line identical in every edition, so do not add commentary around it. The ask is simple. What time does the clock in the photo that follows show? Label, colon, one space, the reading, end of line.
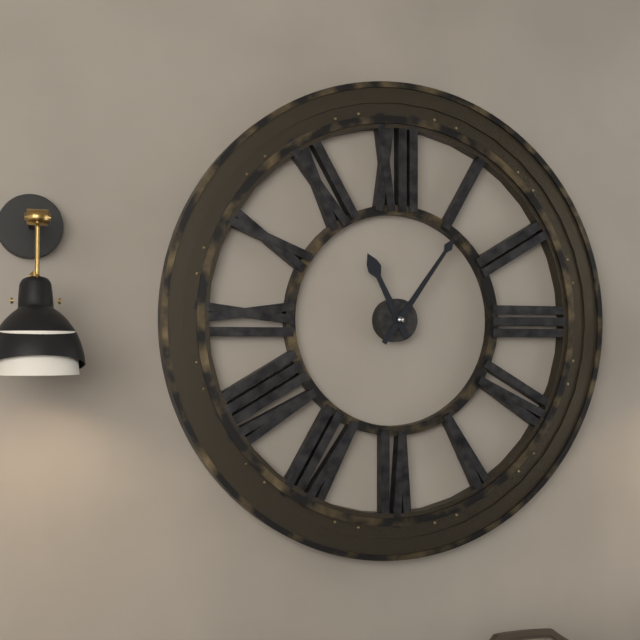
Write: 11:06
